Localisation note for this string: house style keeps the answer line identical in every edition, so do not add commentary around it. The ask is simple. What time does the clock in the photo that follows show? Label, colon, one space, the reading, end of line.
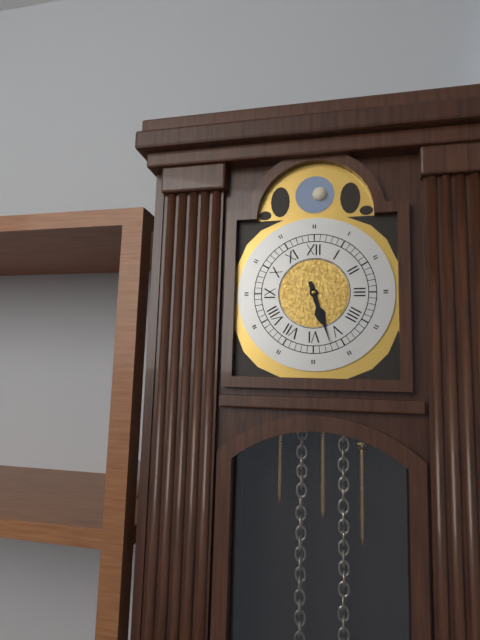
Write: 5:27
